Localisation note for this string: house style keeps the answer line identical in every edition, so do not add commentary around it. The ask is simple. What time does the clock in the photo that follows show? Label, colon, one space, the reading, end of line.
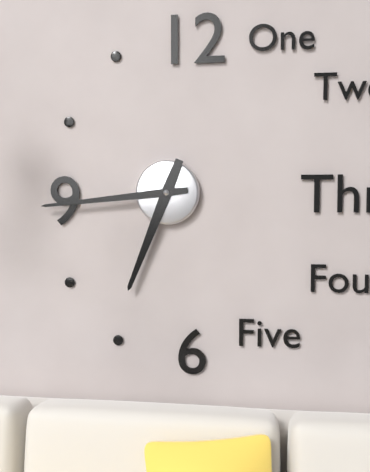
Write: 6:44
